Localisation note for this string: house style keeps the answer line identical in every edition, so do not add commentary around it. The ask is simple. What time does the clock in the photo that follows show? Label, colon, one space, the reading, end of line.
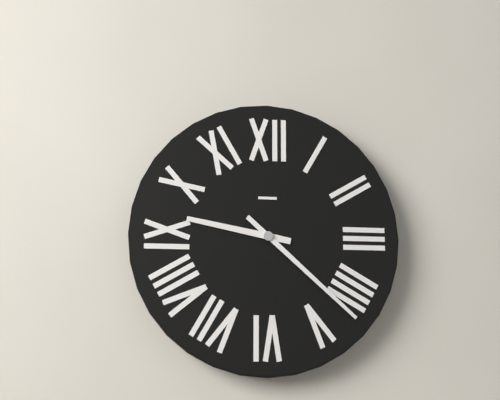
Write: 9:22
